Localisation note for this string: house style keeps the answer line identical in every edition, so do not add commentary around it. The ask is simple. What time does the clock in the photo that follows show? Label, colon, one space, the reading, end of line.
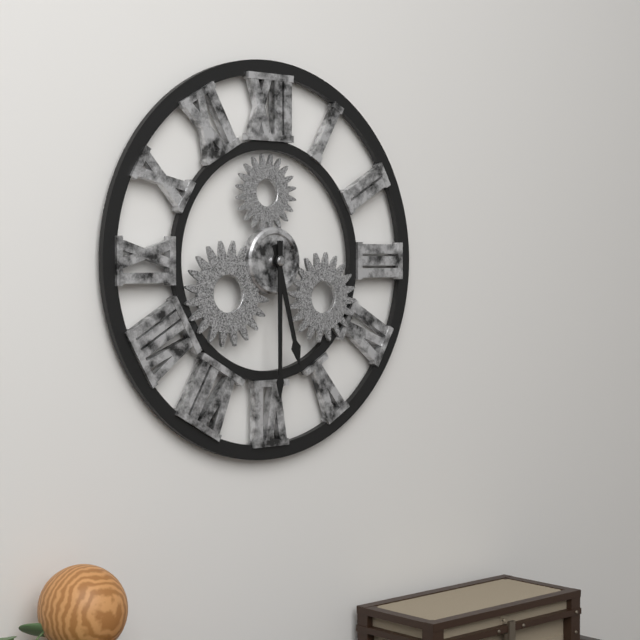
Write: 5:30
